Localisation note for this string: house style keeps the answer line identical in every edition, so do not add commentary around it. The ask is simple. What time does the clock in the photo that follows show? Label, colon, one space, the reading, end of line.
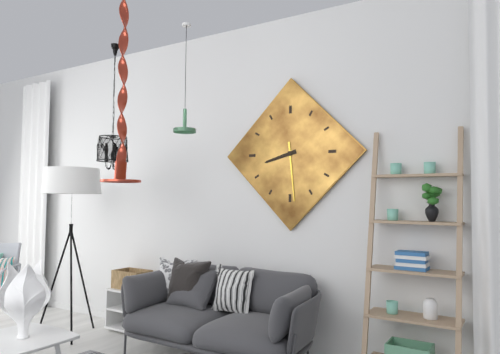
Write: 8:29
